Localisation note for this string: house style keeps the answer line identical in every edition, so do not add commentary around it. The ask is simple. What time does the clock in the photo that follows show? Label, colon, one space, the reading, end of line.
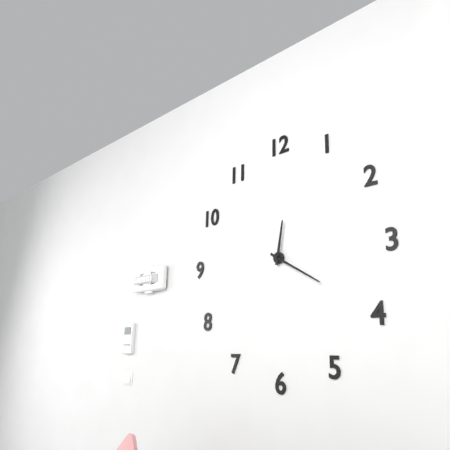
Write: 12:20
